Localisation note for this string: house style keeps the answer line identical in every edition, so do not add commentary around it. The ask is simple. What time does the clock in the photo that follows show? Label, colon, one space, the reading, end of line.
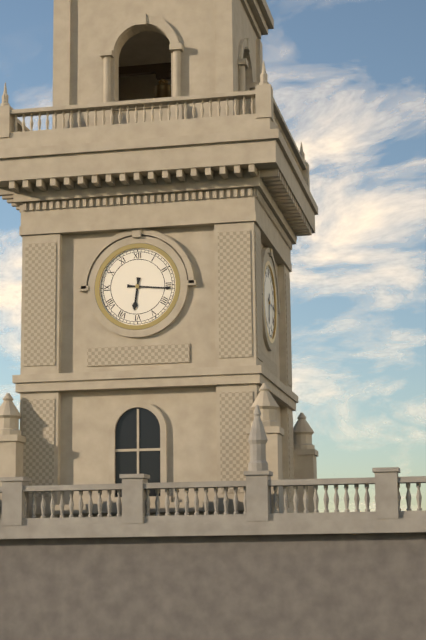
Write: 6:16
